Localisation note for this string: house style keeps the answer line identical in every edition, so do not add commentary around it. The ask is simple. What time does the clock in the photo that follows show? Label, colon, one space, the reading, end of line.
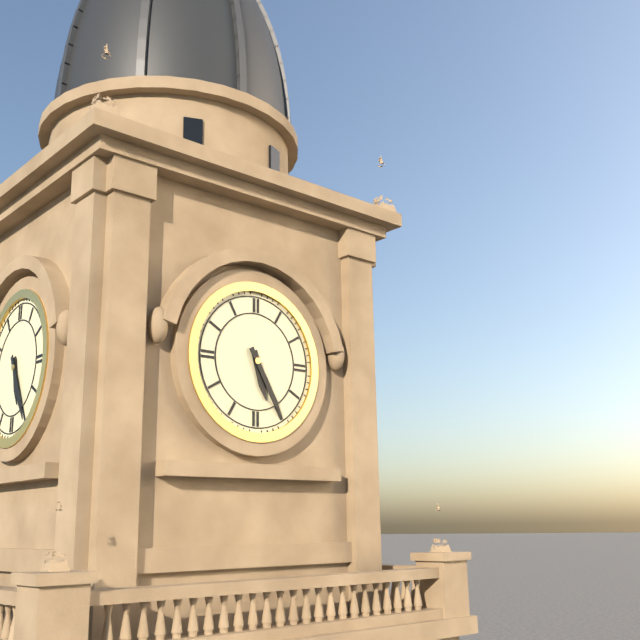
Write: 5:25
